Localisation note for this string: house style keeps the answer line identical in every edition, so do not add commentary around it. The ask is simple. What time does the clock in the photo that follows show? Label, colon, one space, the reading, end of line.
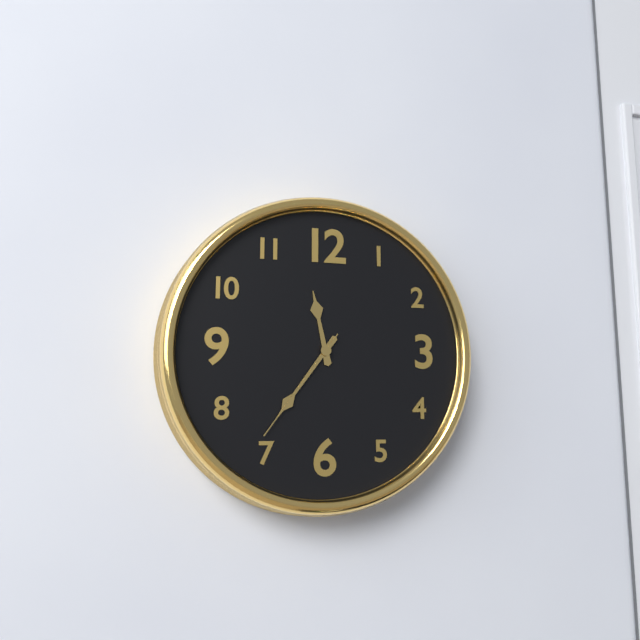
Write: 11:36:36
